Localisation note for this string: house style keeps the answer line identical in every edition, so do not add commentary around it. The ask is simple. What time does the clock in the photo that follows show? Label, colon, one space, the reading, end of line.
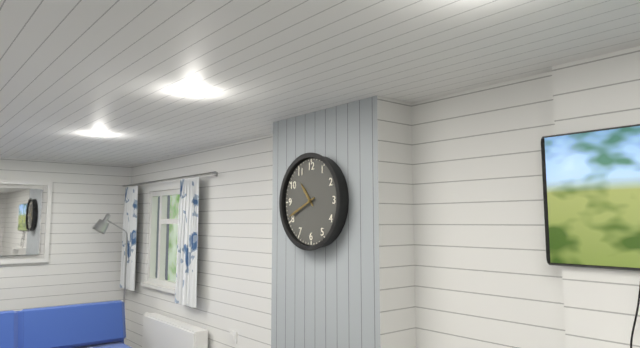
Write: 10:41
